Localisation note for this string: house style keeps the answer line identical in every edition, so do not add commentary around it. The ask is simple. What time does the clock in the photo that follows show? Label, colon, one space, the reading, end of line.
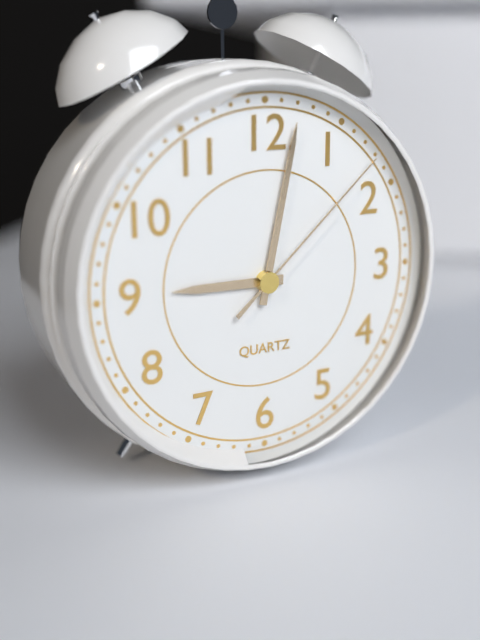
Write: 9:02:08
